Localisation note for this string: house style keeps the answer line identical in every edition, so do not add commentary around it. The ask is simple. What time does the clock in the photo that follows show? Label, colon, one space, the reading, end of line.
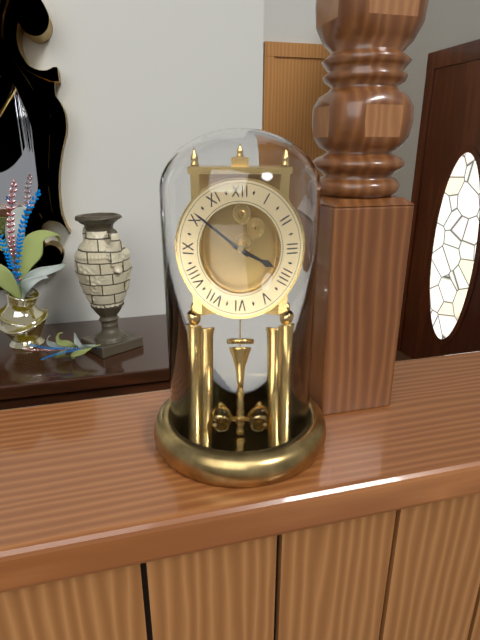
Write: 3:51
